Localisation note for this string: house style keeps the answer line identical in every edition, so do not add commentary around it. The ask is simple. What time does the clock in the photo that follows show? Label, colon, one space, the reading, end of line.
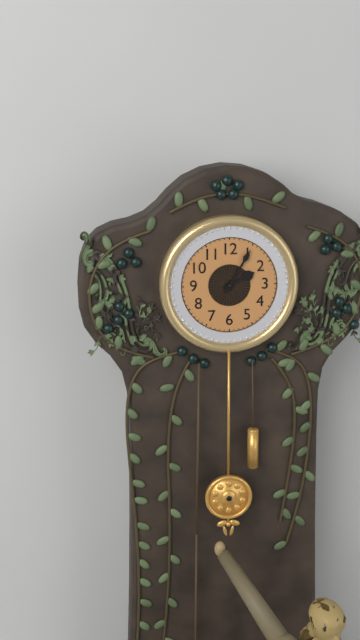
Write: 2:05
